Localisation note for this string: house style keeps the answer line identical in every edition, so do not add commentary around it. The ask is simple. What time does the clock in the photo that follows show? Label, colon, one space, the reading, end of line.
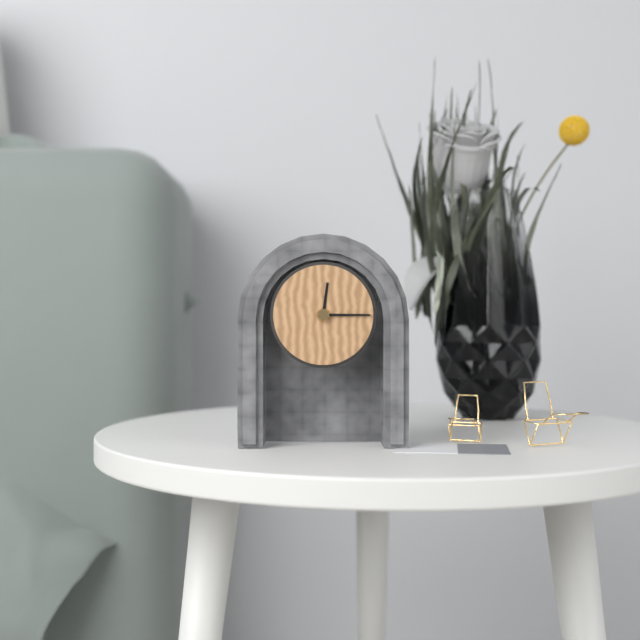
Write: 12:15
